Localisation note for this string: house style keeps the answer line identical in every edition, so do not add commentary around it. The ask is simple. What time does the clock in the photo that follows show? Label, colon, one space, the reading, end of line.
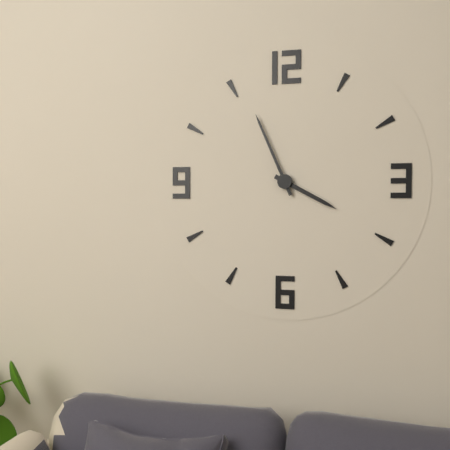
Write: 3:56
